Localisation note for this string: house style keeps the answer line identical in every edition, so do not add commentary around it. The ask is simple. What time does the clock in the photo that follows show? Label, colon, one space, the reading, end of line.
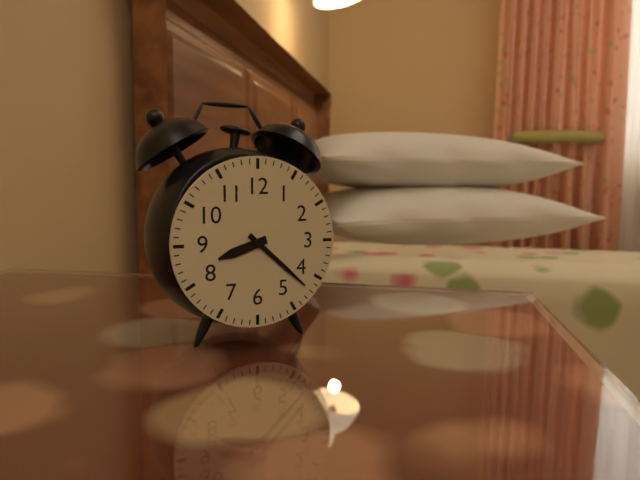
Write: 8:22
